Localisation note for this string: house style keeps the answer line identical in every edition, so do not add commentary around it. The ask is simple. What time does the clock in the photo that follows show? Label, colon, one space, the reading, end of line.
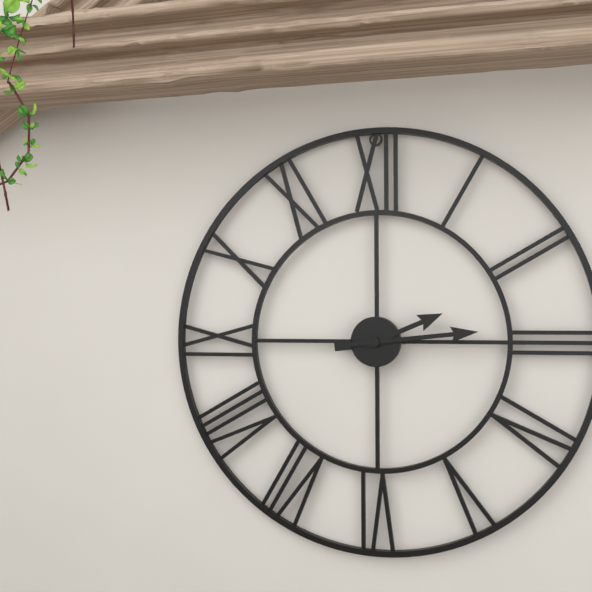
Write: 2:14
